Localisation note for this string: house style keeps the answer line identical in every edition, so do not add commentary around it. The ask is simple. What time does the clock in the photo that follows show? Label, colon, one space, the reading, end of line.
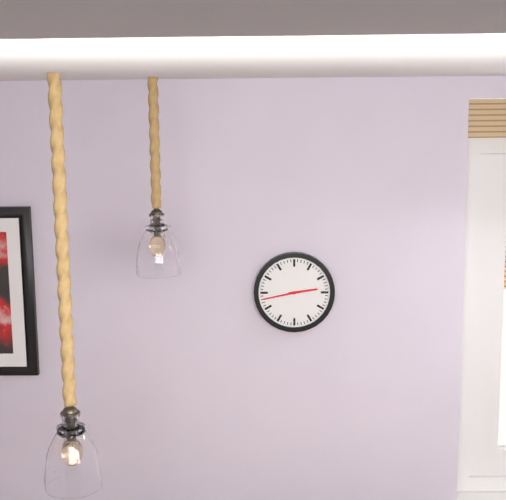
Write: 2:43
